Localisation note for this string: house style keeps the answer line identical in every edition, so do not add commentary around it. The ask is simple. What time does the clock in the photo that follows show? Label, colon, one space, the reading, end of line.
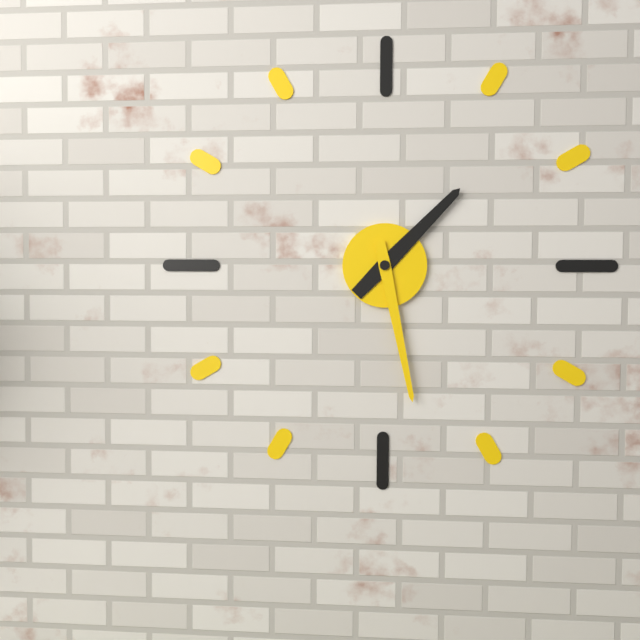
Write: 1:28
